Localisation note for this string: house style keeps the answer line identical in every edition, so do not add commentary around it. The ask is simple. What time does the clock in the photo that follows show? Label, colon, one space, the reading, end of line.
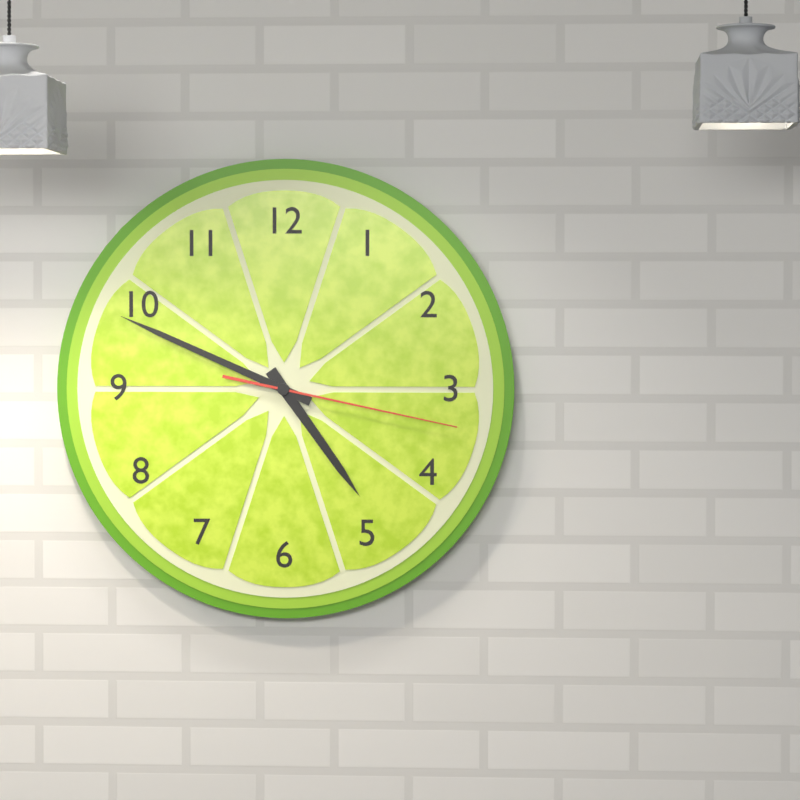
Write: 4:49:17
